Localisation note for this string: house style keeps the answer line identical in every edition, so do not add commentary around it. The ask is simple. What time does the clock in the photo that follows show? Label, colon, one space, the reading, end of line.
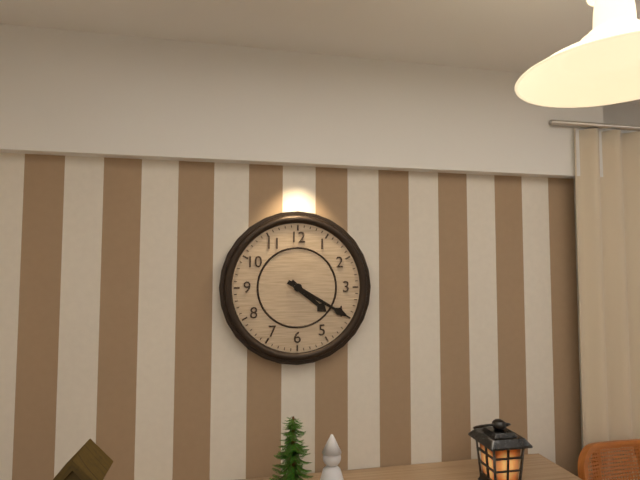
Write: 4:20
